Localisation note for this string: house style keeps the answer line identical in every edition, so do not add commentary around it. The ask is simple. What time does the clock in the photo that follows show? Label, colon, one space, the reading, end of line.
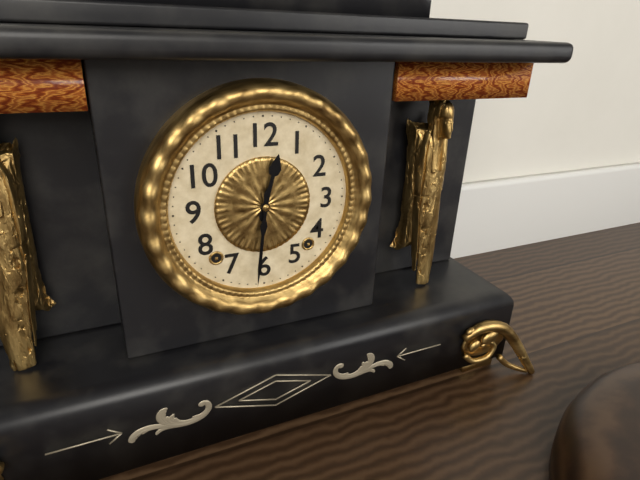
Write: 12:31
